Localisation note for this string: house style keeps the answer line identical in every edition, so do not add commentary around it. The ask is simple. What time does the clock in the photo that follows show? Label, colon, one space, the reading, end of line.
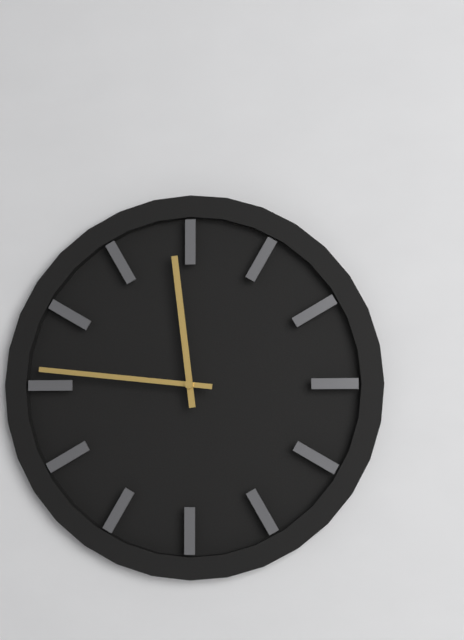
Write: 11:46
